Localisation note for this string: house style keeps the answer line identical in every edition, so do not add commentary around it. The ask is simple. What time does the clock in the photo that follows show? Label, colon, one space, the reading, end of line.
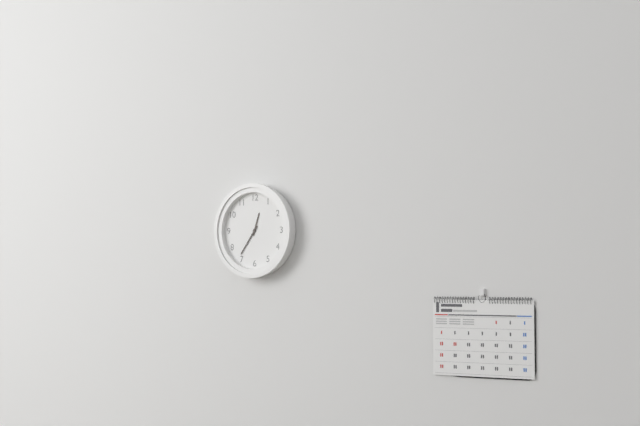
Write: 12:36
